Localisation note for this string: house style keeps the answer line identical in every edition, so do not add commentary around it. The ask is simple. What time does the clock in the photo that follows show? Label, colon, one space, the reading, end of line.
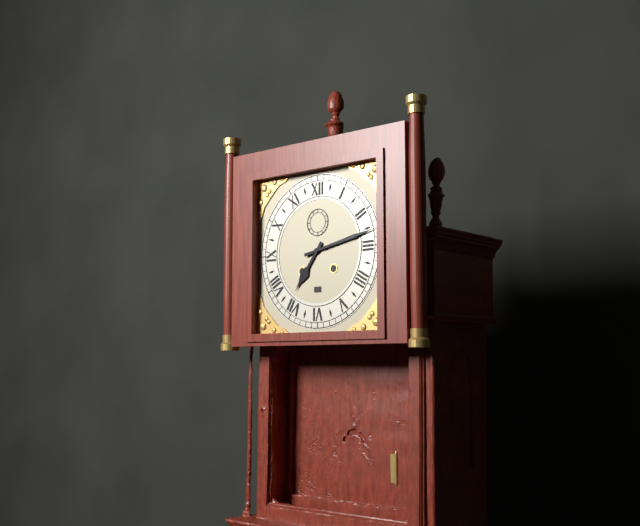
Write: 7:13
